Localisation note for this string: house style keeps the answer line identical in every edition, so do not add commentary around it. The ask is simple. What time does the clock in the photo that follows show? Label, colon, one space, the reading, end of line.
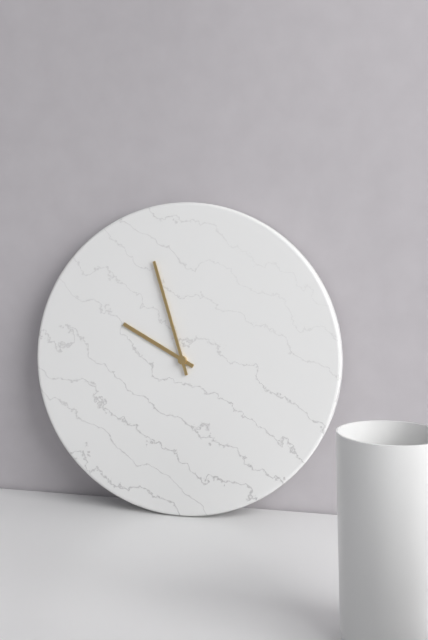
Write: 9:57
